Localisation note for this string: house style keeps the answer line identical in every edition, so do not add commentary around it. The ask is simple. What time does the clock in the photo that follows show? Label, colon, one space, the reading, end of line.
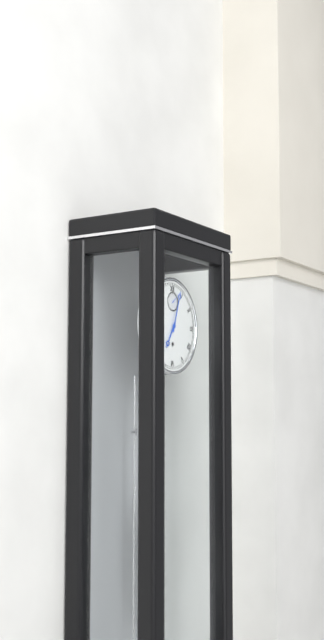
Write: 7:03
